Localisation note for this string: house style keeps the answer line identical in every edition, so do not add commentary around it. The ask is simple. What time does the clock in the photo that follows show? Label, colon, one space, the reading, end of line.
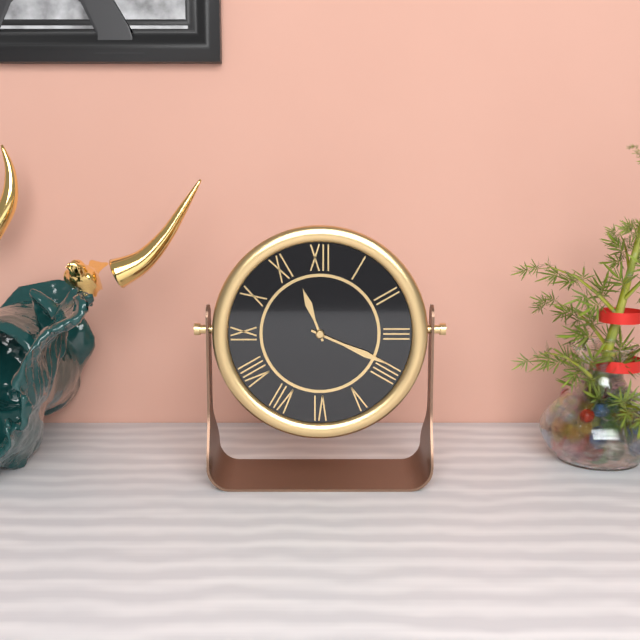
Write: 11:19
